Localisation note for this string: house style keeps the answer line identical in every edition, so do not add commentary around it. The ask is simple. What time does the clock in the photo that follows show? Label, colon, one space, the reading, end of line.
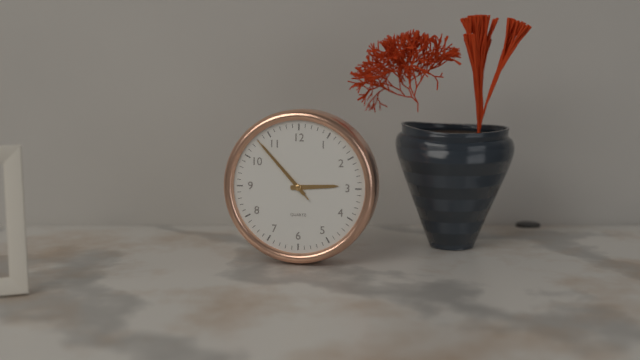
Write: 2:53:53
